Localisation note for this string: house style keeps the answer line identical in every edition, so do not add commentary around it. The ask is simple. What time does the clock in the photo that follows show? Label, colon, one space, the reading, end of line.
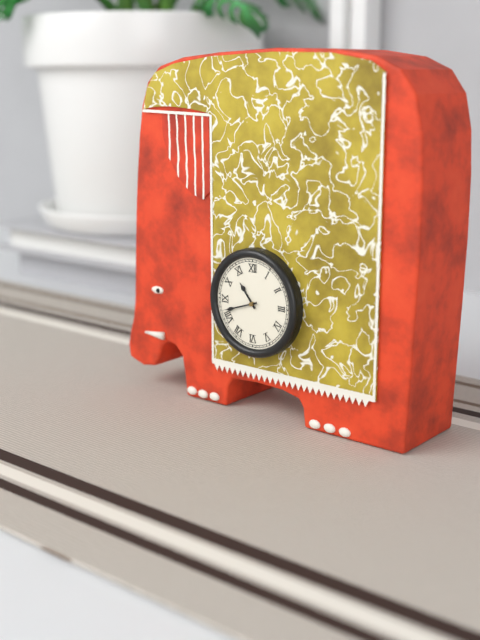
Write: 10:42
